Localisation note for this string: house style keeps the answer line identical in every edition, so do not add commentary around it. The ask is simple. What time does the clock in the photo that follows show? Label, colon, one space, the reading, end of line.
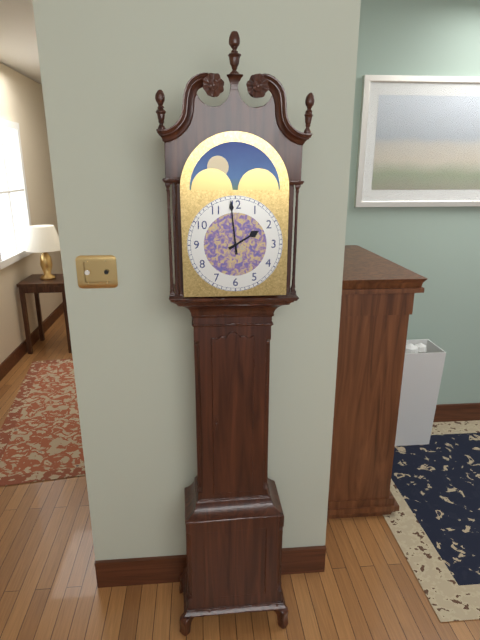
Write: 1:59
